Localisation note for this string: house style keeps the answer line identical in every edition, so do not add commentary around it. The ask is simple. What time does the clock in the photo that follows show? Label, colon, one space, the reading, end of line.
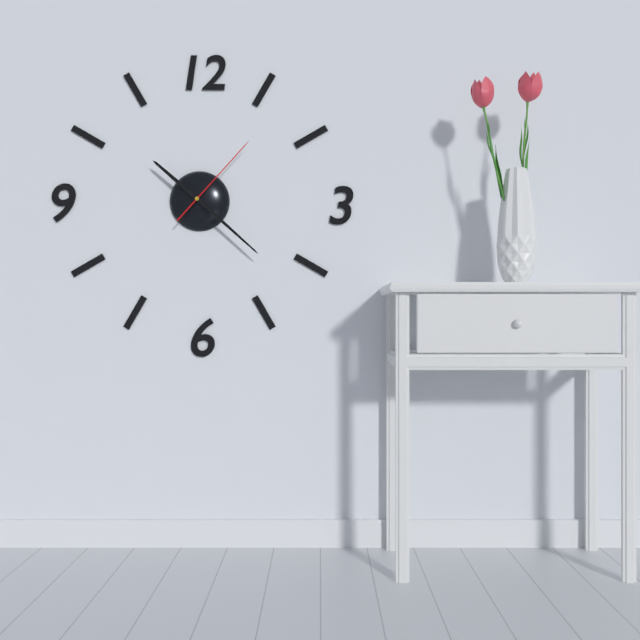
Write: 10:22:07
